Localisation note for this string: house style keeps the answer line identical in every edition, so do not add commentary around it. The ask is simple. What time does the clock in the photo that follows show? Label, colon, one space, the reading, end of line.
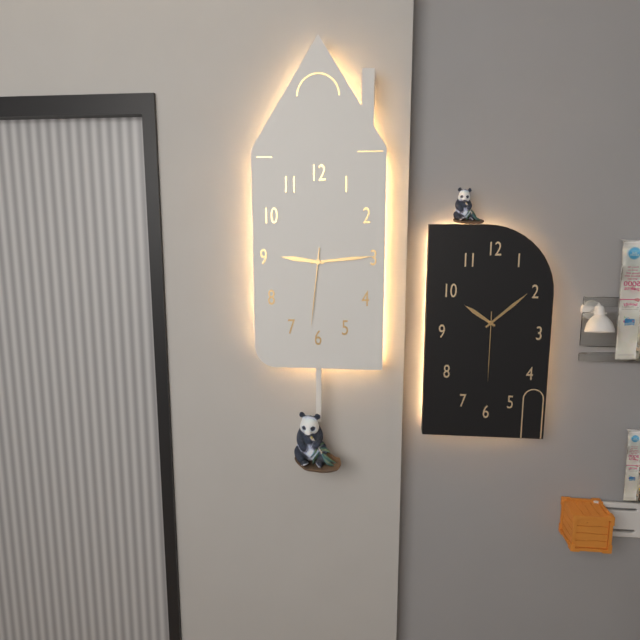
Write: 9:14:31
